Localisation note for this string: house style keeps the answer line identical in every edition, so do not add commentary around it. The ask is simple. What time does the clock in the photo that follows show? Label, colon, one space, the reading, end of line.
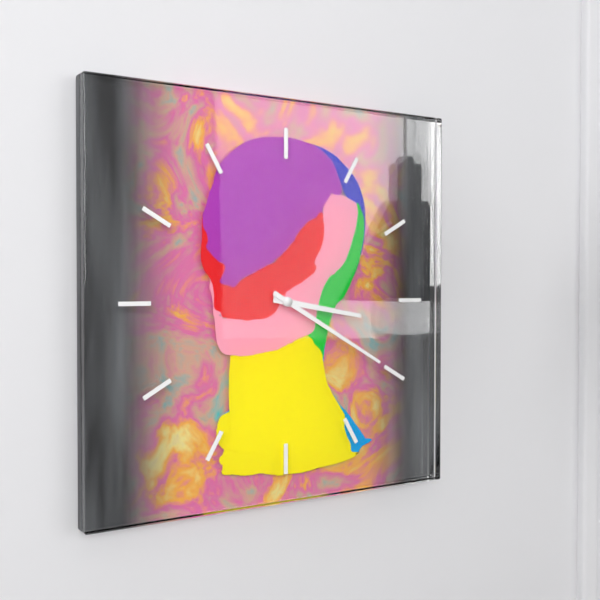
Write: 3:20
